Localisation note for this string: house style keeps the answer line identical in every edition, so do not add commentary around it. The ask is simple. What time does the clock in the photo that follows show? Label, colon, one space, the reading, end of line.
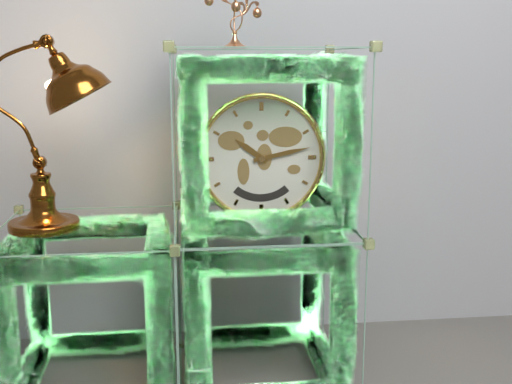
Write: 10:13
